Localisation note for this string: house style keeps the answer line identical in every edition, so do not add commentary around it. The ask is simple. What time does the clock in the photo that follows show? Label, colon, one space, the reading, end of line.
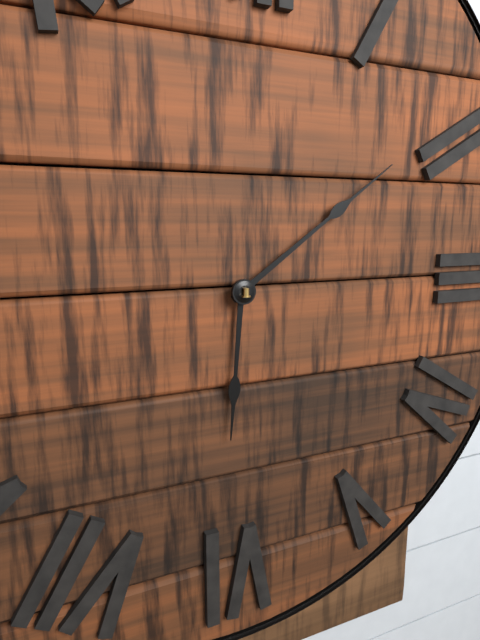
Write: 6:09
